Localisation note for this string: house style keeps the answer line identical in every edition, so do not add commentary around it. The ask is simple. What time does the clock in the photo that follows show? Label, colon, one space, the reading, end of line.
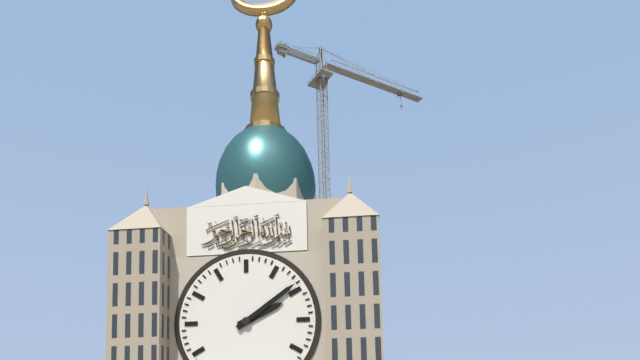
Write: 2:09
